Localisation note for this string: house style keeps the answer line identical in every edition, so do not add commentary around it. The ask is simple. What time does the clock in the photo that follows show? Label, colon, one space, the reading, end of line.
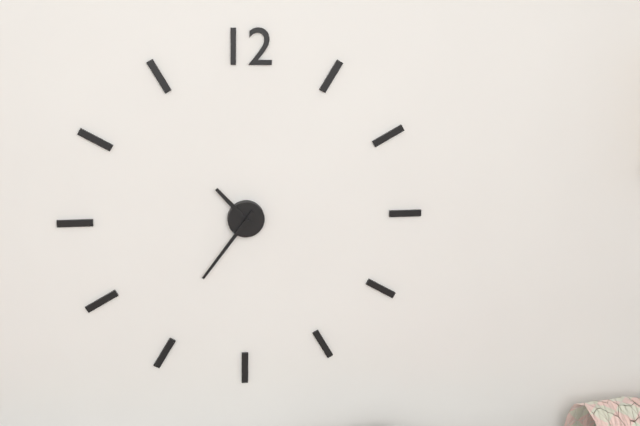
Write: 10:36
